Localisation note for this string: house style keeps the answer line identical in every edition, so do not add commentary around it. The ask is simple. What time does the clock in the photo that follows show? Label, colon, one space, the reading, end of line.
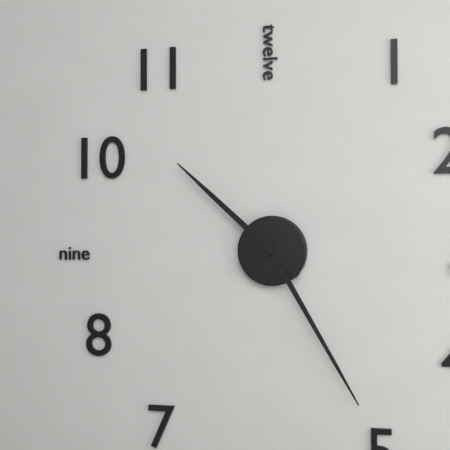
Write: 10:25
